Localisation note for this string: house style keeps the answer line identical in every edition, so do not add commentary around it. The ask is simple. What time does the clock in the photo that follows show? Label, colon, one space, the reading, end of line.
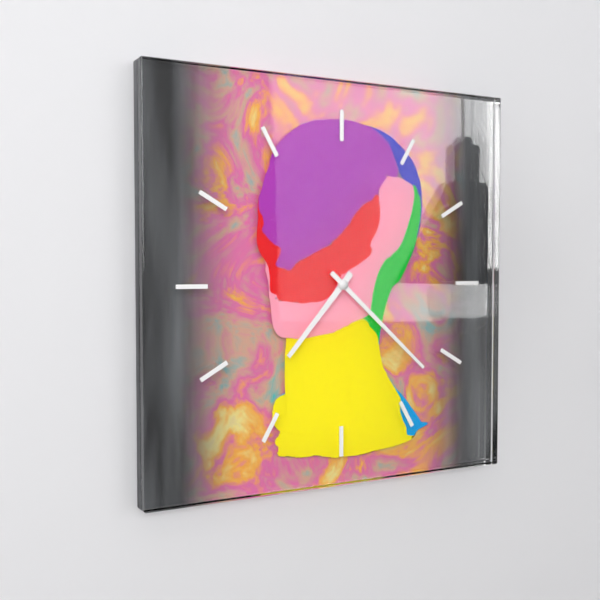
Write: 7:22
